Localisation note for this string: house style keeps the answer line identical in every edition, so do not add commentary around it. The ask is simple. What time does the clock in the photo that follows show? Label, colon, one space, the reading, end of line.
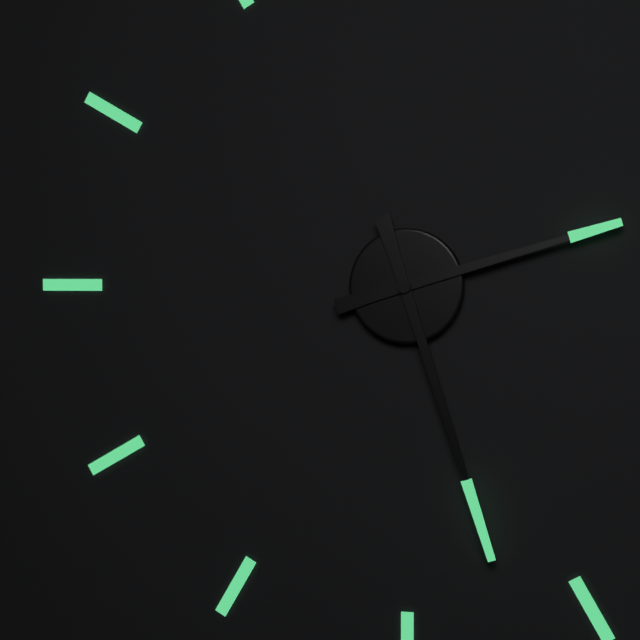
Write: 2:27
